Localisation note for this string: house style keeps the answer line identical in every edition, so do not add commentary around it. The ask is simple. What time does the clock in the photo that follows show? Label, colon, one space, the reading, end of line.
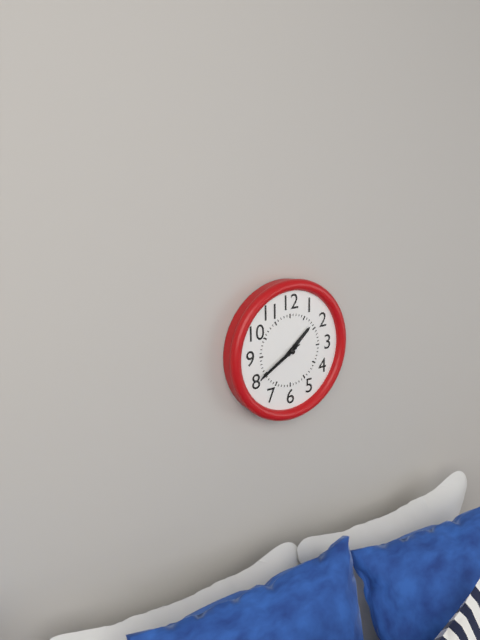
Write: 1:40:40
